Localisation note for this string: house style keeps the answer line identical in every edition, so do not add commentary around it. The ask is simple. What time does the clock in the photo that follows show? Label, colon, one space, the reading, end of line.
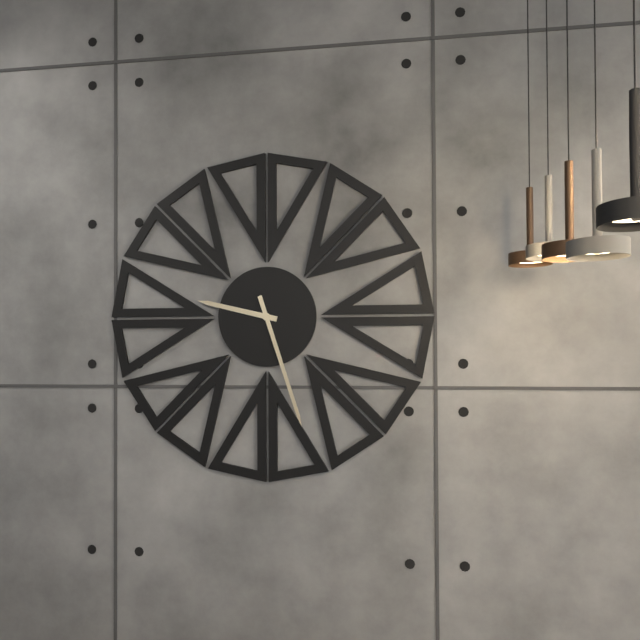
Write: 9:27
